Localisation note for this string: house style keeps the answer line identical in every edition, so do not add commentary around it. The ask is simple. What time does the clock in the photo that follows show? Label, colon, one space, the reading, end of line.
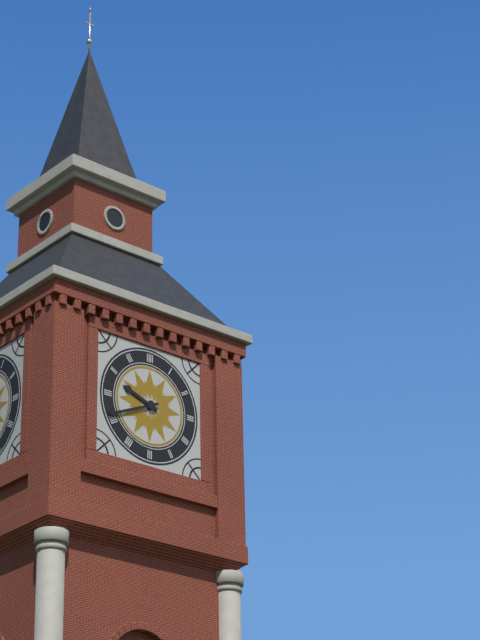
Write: 9:41
